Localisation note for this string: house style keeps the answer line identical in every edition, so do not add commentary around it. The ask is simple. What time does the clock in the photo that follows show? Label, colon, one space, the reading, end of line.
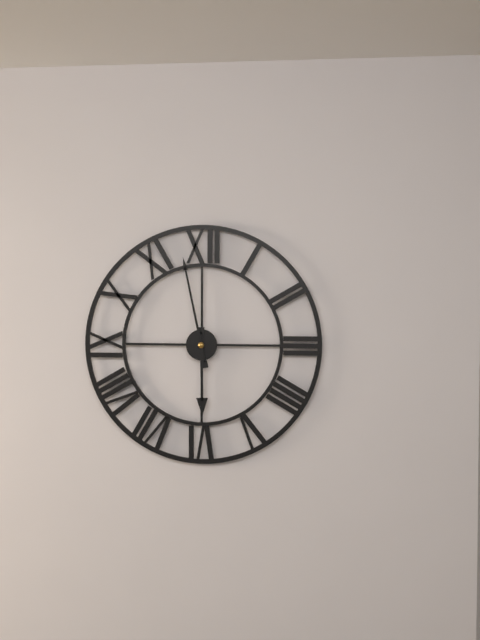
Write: 5:58
